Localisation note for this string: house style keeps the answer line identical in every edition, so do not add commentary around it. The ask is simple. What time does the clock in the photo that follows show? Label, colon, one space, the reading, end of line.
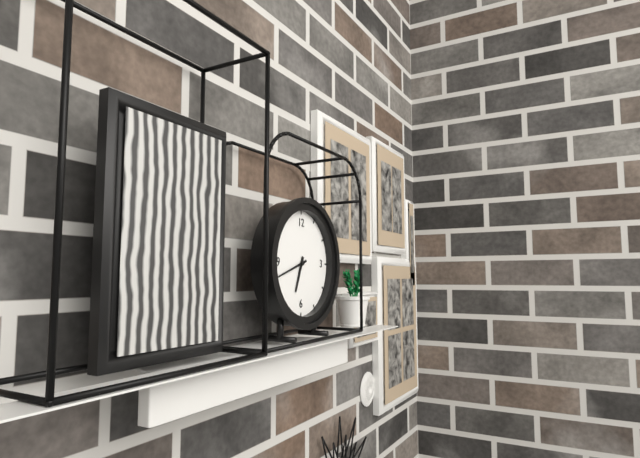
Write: 6:42
